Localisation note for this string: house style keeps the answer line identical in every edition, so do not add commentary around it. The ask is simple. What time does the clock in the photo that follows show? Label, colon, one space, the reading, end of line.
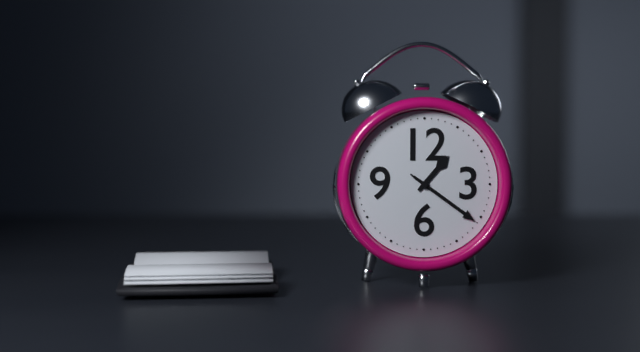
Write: 1:21:21
